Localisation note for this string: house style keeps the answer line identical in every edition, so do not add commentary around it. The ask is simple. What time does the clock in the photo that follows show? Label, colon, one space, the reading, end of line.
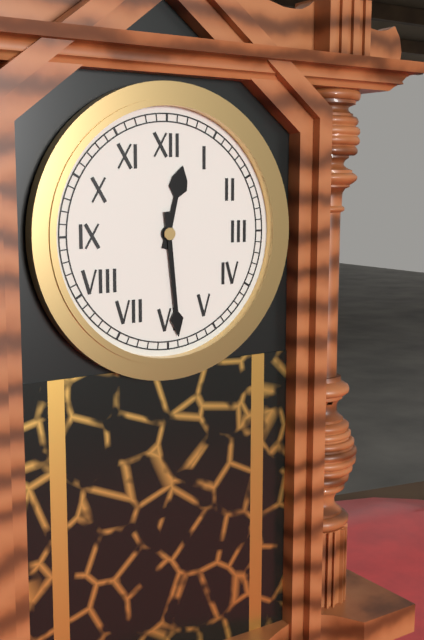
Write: 12:29
